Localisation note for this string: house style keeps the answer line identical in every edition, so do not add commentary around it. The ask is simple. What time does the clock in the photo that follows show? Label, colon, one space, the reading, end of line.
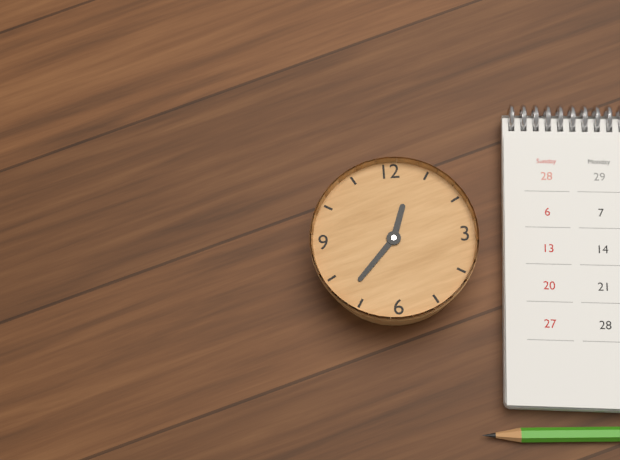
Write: 12:37
